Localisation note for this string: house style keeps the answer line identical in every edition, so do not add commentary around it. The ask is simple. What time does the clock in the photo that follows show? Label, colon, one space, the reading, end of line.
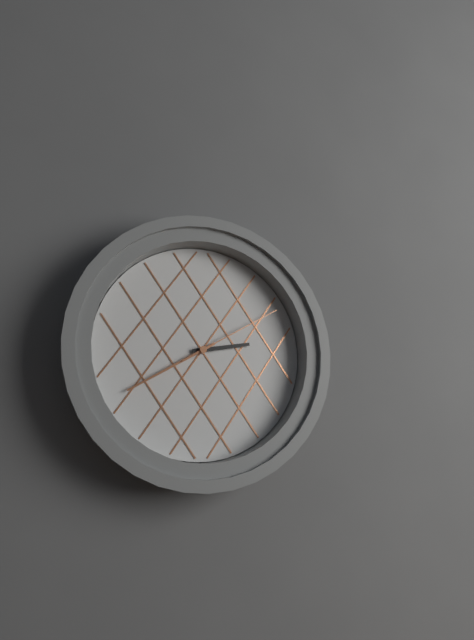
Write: 2:40:10
